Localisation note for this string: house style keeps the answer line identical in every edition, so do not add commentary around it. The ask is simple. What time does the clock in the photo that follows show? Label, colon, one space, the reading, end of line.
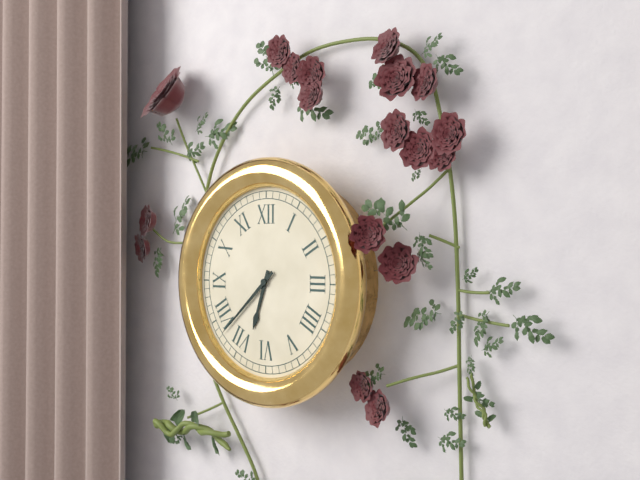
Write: 6:38
